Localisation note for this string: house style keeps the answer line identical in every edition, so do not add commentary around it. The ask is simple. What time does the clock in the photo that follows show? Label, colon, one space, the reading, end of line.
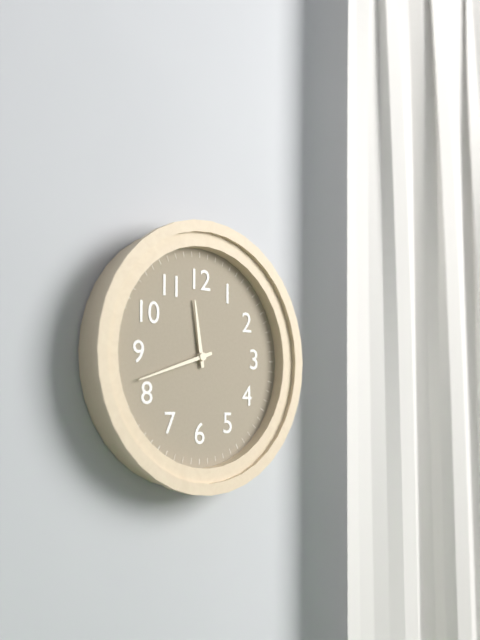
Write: 11:42
